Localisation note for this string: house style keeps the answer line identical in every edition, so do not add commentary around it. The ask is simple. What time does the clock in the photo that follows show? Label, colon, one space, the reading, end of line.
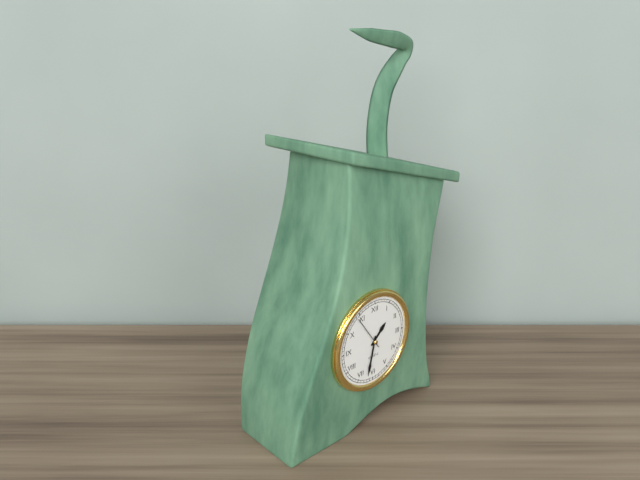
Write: 1:32
